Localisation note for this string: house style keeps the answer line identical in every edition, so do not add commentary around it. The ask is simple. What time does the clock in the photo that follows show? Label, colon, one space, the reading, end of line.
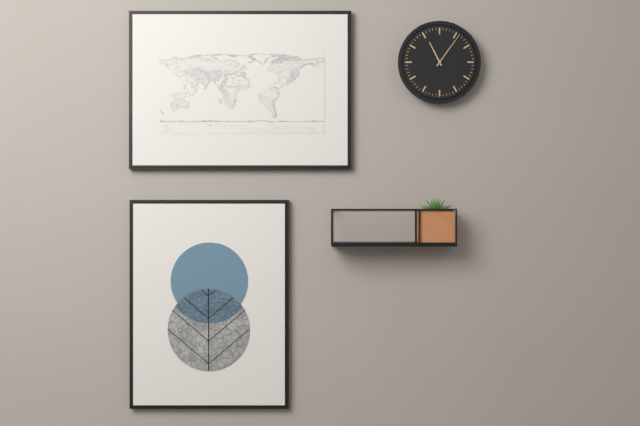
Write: 11:06
